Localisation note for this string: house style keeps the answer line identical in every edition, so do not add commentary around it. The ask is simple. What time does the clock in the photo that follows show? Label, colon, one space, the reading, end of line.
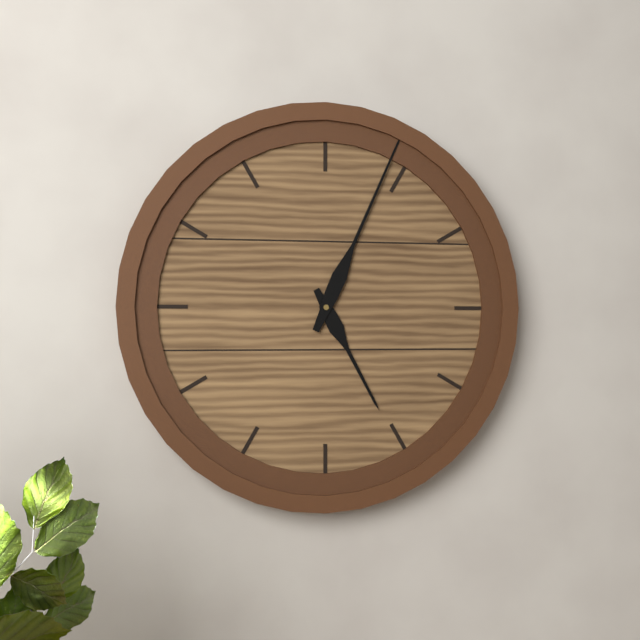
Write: 5:04
